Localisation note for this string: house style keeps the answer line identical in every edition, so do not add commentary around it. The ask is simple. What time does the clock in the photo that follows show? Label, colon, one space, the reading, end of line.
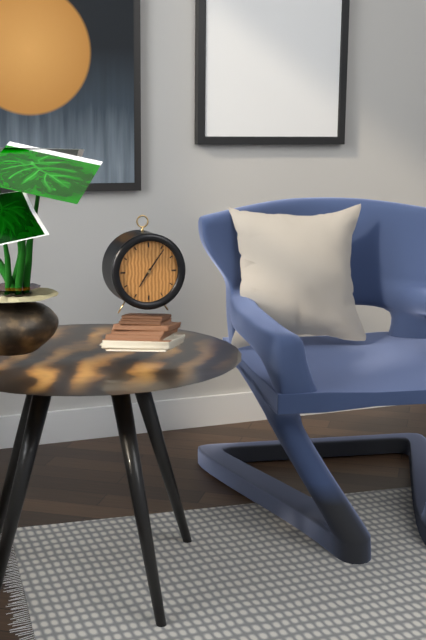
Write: 7:06
